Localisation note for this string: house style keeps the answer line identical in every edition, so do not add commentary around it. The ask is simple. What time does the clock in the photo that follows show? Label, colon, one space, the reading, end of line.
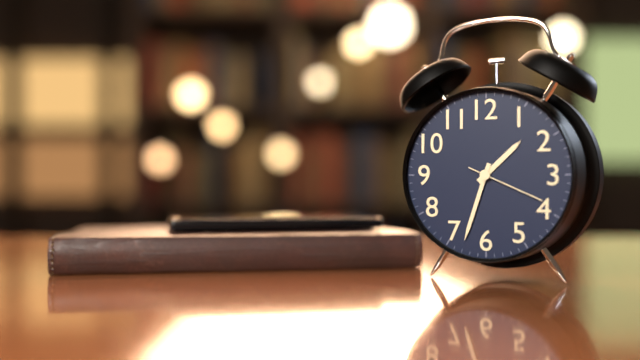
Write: 1:33:19
